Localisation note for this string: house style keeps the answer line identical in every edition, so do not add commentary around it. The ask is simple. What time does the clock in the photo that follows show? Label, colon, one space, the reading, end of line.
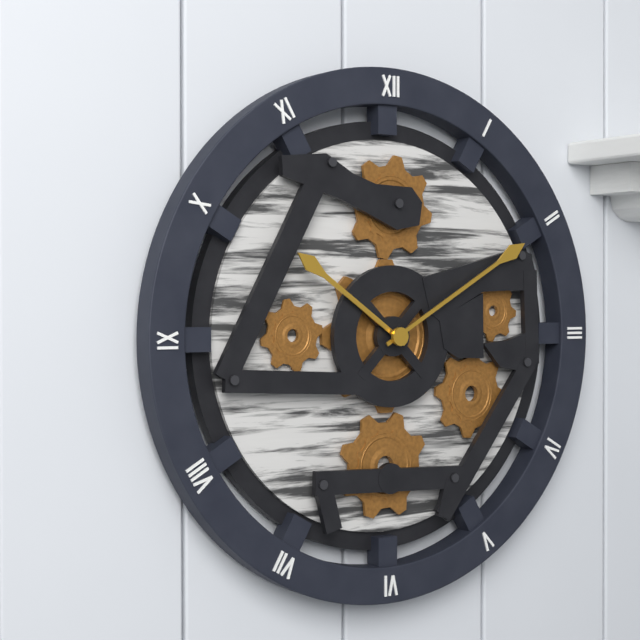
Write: 10:10
